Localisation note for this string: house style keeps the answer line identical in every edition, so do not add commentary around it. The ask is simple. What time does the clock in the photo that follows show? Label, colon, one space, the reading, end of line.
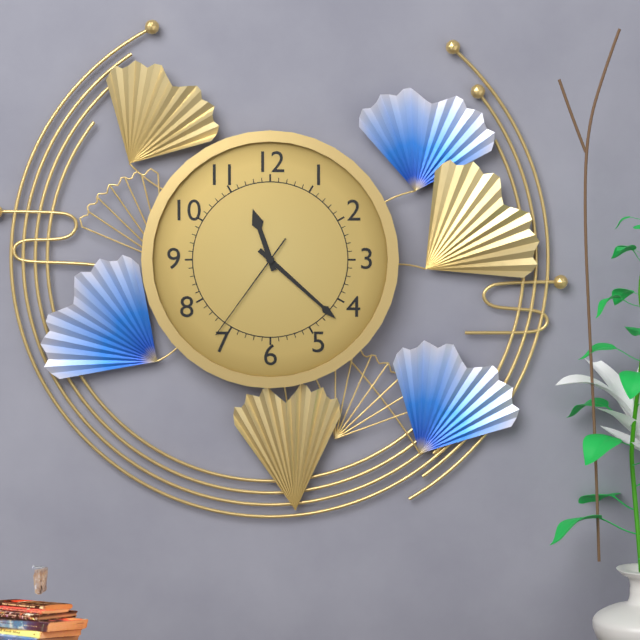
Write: 11:22:36
